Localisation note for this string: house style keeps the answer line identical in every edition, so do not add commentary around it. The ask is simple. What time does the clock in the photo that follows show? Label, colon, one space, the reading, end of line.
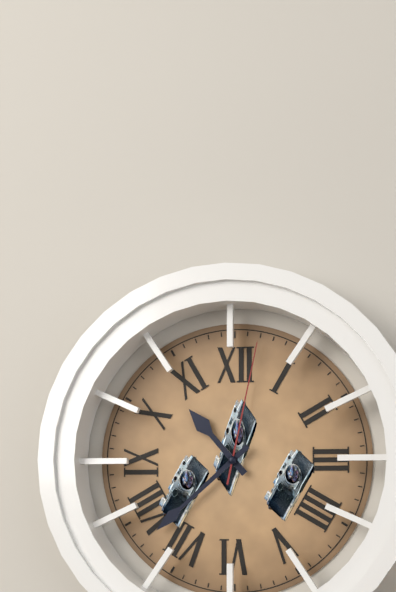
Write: 10:38:02
